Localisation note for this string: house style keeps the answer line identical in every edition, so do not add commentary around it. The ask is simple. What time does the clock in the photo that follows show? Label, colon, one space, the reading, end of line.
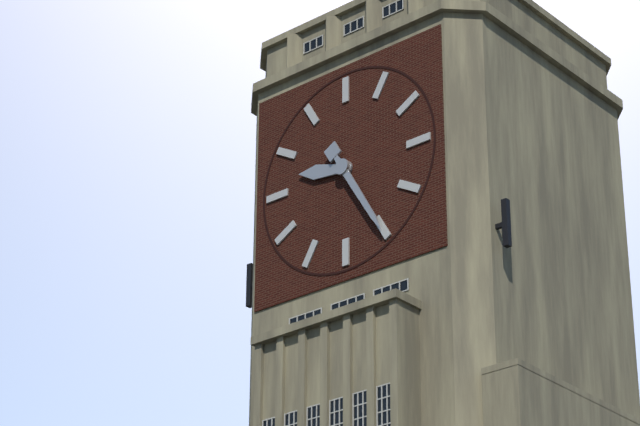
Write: 9:25
